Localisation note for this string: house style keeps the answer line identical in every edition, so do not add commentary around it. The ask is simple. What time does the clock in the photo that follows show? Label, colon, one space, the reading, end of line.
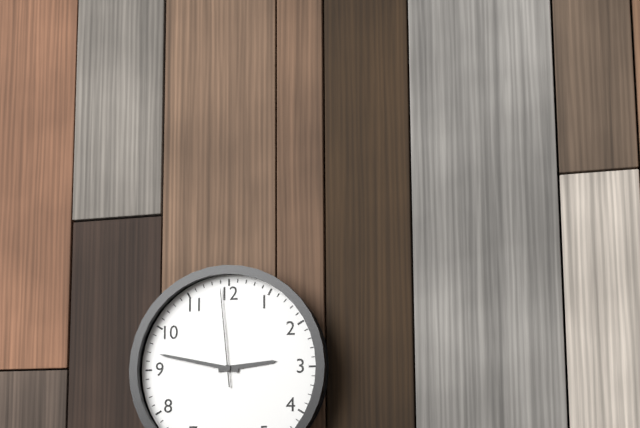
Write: 2:47:59
